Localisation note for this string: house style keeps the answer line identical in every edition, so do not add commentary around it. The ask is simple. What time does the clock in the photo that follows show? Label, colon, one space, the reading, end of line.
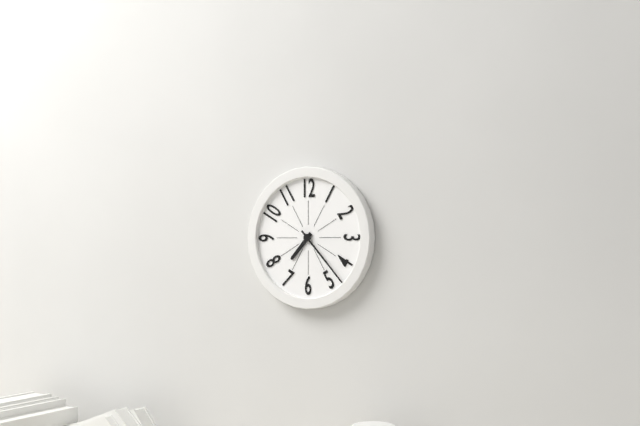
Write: 7:23
